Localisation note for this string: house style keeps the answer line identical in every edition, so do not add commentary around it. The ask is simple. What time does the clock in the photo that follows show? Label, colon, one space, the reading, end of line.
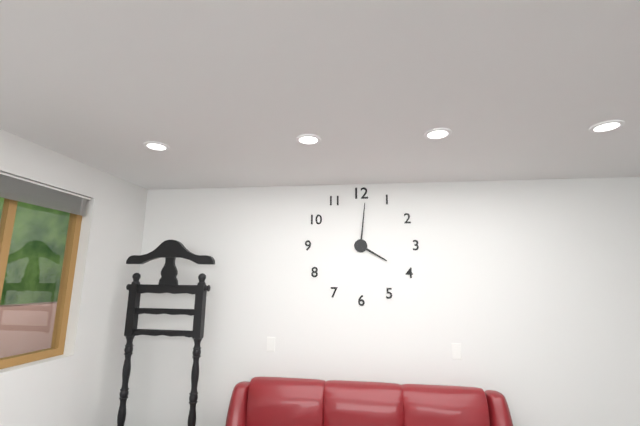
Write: 4:01
